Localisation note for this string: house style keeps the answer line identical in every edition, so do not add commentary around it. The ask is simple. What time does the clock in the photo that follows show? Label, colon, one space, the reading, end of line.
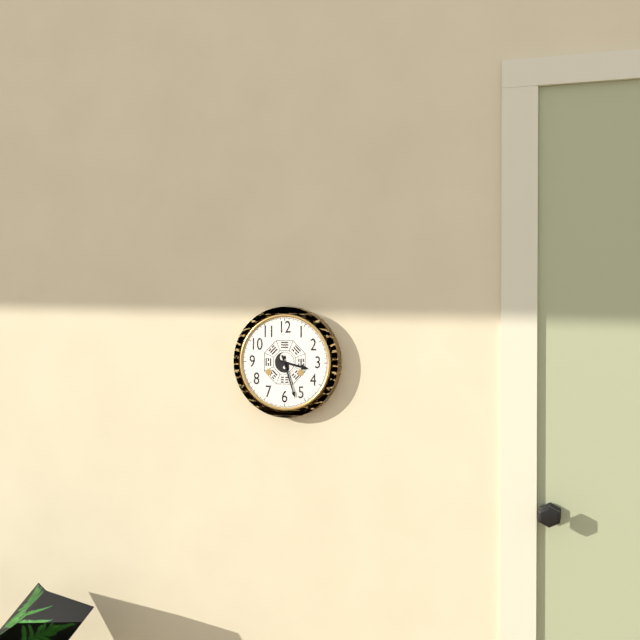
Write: 3:27
